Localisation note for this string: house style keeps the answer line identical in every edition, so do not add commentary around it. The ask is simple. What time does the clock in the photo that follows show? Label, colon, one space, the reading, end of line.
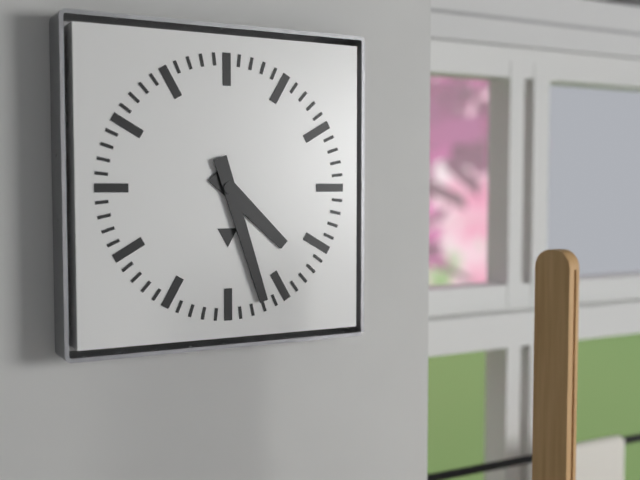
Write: 4:27
